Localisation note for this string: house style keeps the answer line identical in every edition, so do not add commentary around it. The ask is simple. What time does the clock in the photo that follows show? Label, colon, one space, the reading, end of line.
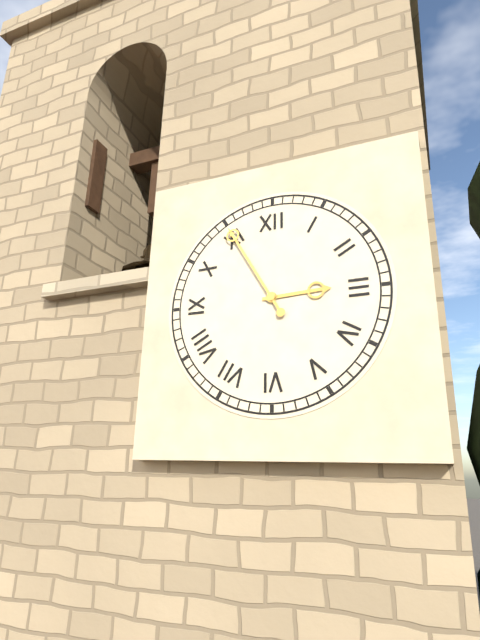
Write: 2:55
